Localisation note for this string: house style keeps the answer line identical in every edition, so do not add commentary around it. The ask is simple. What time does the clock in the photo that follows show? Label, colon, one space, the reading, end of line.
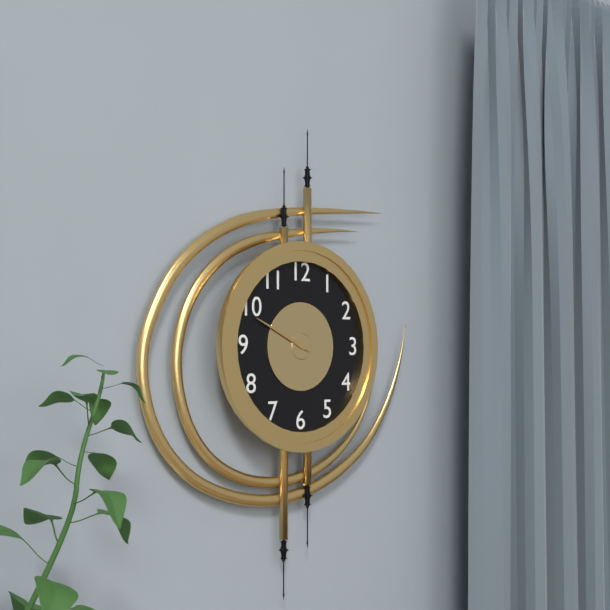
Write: 9:49
